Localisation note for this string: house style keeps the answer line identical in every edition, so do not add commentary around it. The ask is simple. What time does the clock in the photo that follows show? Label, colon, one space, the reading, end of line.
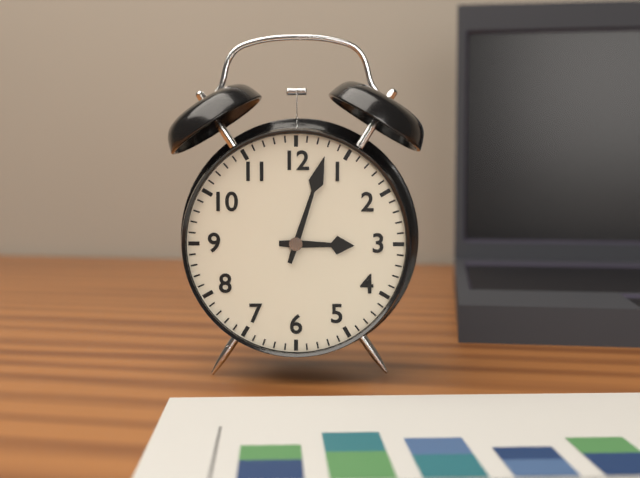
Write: 3:03
